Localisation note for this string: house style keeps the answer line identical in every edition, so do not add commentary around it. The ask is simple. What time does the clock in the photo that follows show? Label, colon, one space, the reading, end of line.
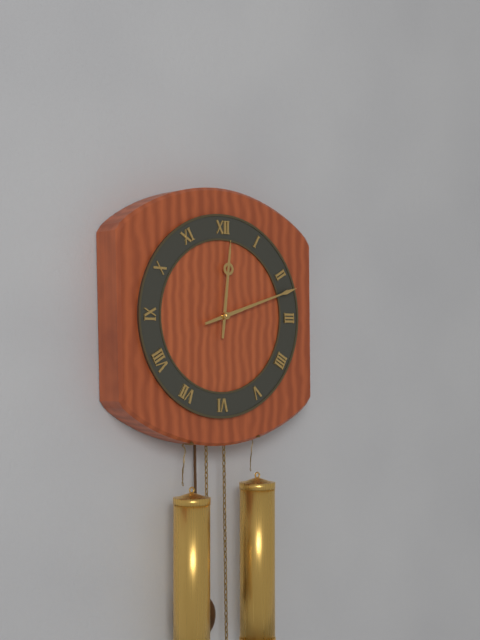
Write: 12:12
